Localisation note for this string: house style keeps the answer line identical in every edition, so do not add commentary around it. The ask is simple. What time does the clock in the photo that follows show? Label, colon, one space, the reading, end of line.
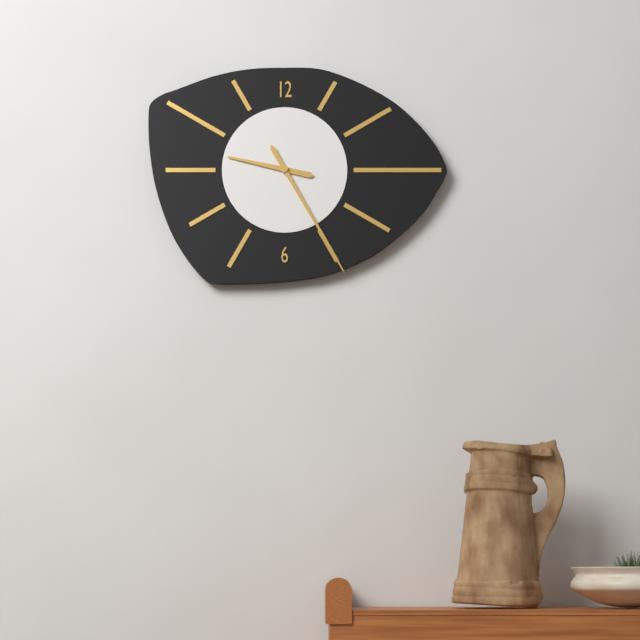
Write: 9:25
